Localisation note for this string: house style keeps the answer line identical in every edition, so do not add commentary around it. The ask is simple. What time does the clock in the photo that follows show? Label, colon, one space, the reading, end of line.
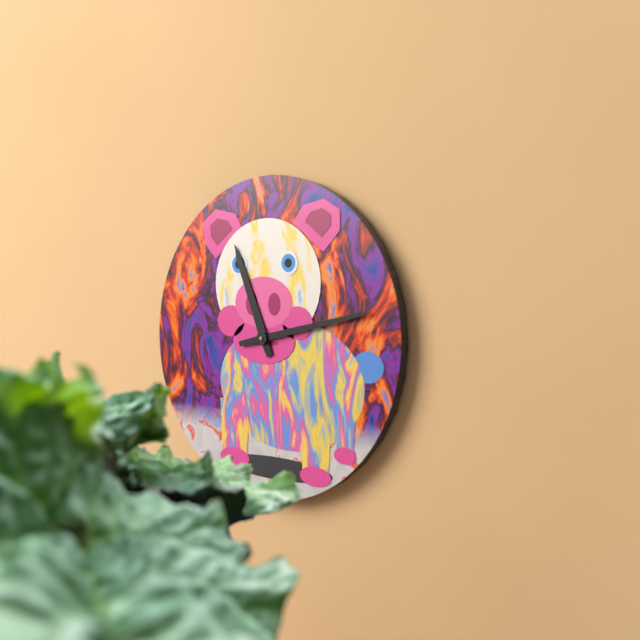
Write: 11:13
